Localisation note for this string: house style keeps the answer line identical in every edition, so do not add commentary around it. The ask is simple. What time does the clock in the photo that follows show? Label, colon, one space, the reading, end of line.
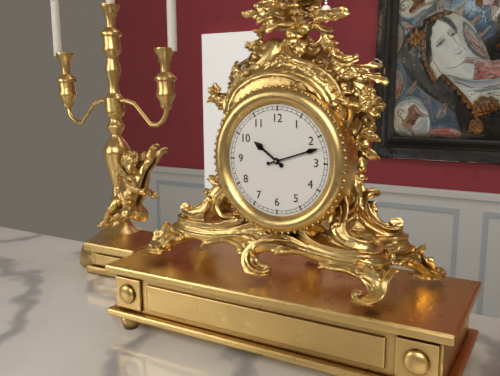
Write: 10:12
